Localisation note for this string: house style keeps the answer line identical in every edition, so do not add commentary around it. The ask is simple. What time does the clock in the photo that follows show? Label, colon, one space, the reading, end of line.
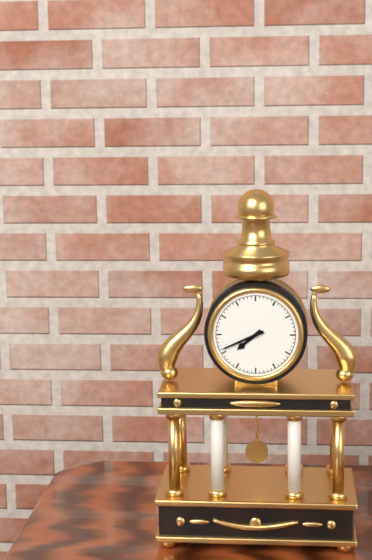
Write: 7:41
